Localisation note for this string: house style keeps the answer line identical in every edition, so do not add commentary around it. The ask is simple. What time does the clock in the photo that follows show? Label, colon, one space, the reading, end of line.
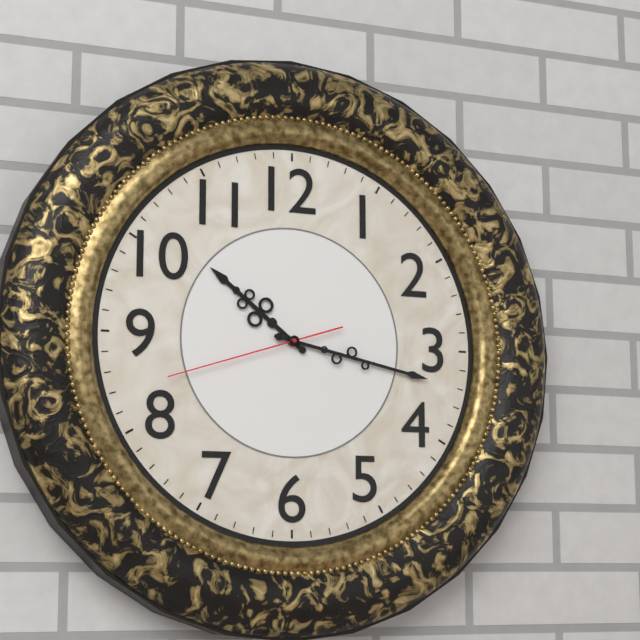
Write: 10:17:42
